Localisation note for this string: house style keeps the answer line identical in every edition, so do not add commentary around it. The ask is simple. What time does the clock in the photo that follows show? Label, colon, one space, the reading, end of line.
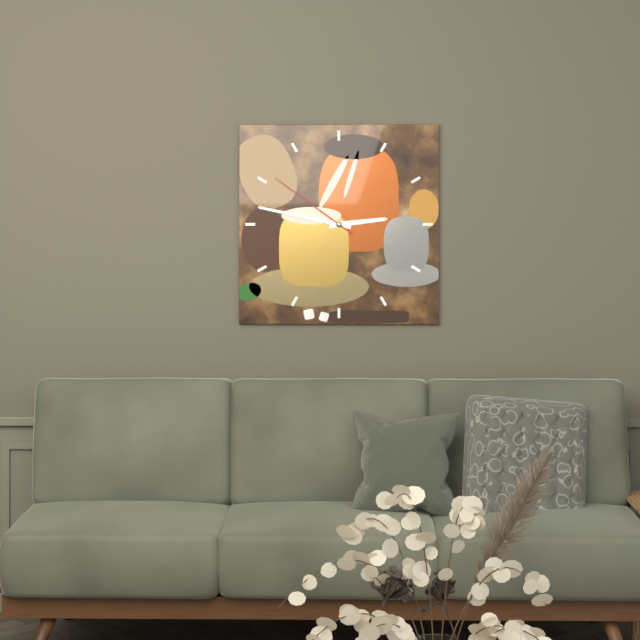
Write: 2:47:51
